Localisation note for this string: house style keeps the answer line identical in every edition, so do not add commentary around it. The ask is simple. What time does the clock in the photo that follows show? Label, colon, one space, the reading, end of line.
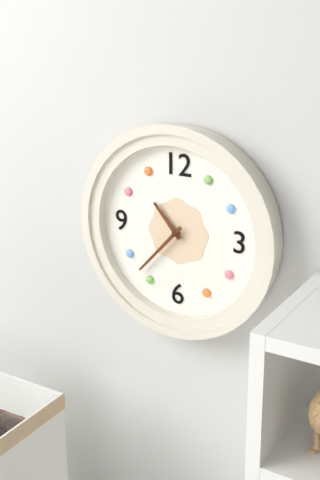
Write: 10:37
